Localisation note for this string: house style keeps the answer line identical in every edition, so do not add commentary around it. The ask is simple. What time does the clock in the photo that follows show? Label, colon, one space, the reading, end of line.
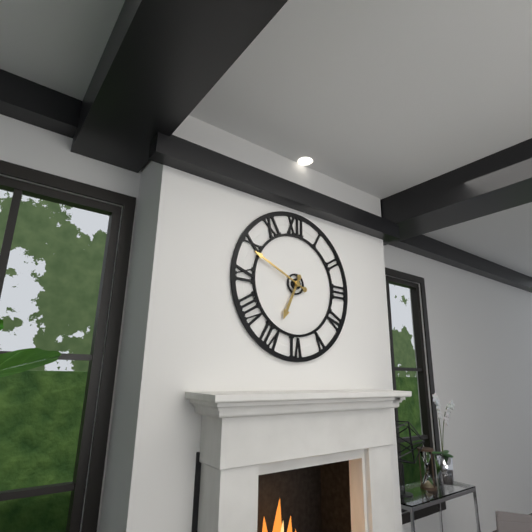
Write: 6:49
